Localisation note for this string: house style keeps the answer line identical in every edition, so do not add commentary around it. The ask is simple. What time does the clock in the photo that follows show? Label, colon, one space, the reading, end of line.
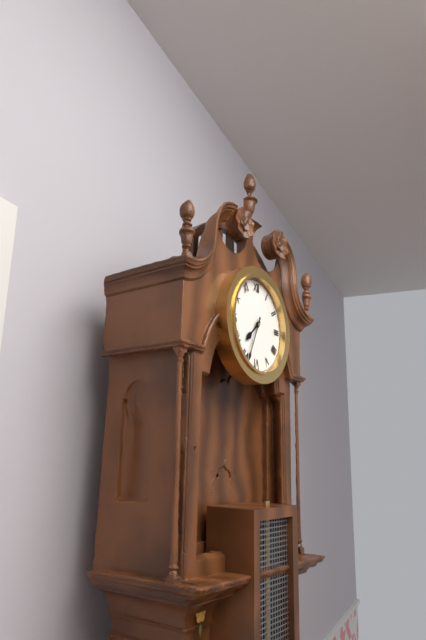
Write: 7:34
